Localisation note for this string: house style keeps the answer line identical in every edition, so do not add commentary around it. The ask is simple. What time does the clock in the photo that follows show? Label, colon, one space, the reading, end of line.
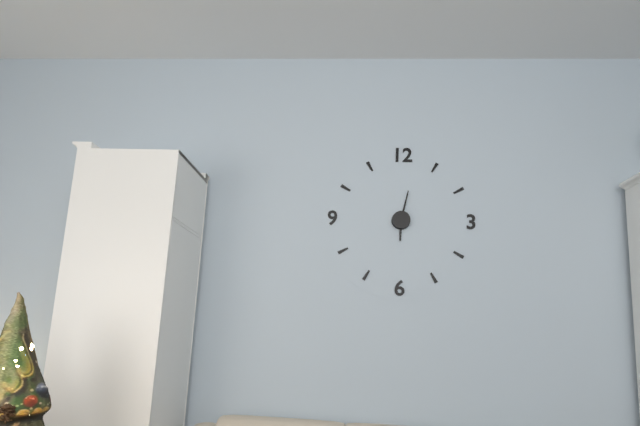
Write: 6:02
